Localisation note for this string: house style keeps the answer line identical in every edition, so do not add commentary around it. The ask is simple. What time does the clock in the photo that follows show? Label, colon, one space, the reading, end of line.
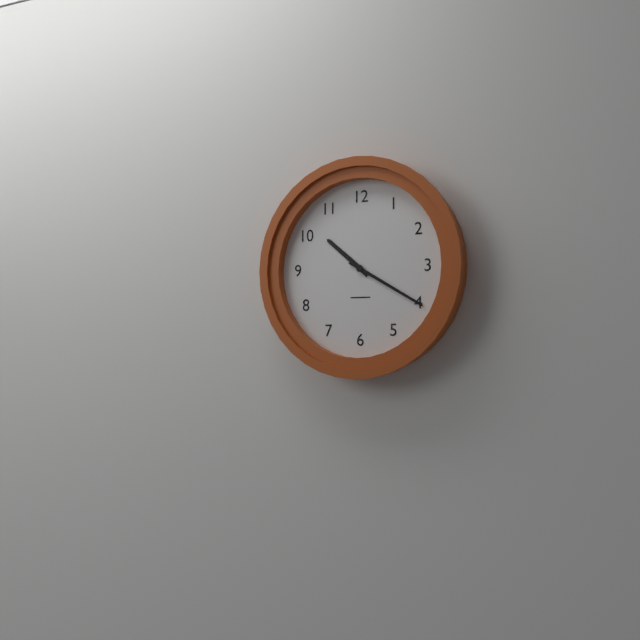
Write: 10:20
